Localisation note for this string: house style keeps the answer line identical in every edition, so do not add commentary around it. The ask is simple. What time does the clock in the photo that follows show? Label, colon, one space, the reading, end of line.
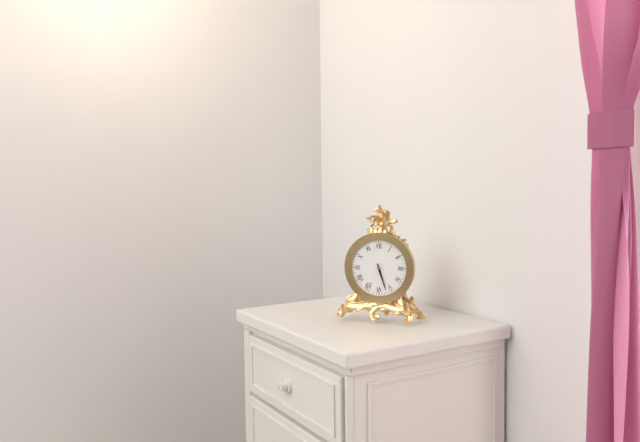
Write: 5:27
